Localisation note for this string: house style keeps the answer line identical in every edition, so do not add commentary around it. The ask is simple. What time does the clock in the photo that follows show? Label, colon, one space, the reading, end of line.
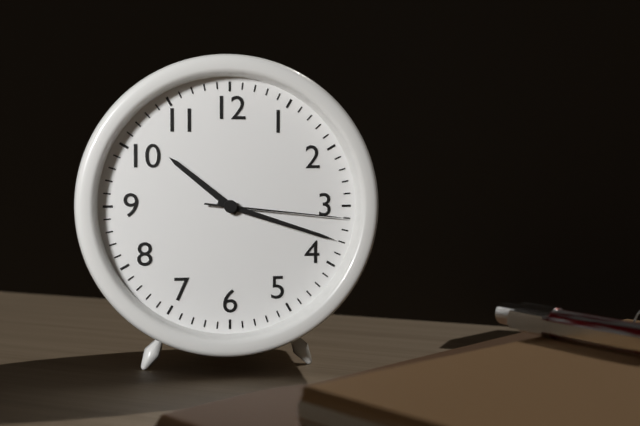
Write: 10:18:16
